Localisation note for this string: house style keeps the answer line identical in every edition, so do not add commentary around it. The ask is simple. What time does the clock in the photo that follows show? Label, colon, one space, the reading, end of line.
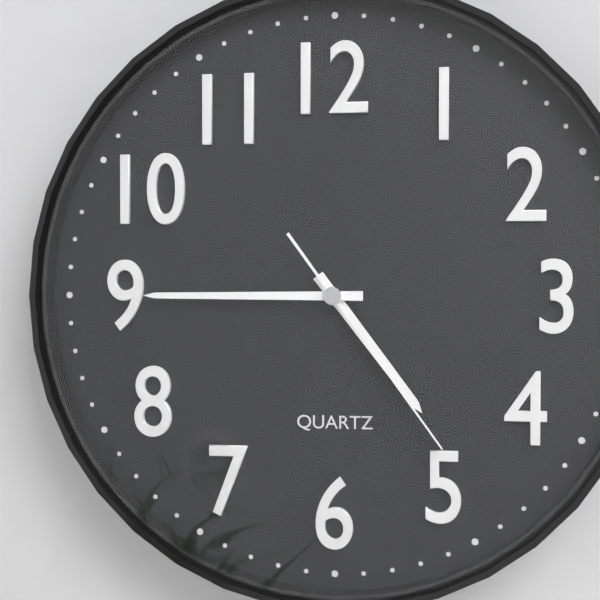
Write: 4:45:24
